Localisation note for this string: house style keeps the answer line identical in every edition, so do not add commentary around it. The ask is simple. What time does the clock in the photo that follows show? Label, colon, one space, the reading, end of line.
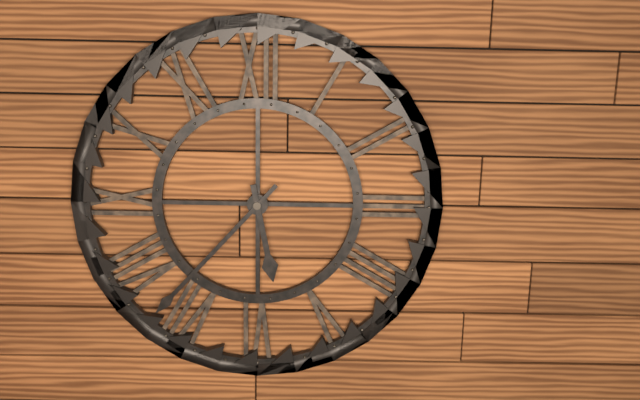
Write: 5:37
